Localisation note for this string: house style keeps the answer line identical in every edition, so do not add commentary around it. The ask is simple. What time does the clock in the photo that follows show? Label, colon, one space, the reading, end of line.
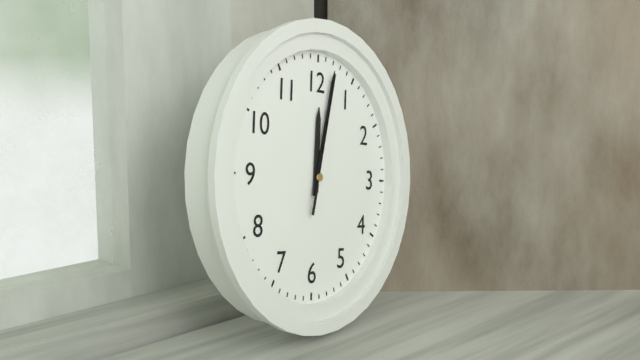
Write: 12:02:02
